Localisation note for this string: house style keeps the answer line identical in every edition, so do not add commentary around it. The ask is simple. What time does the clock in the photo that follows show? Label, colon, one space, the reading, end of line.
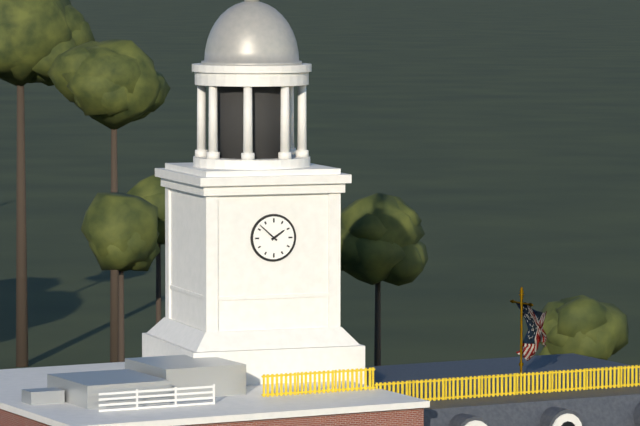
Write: 1:52
